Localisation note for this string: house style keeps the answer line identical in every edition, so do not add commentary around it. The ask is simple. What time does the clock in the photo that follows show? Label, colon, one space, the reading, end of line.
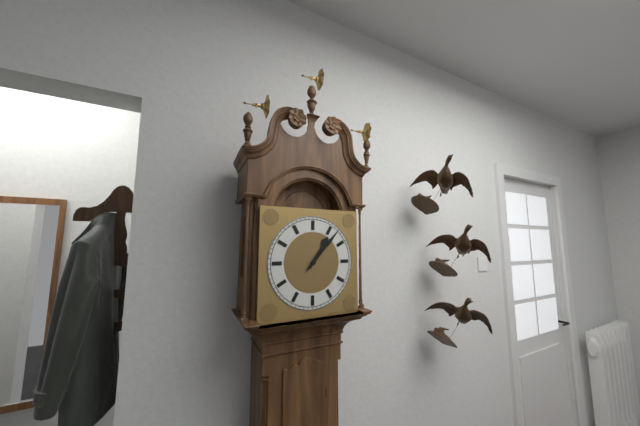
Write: 1:07
